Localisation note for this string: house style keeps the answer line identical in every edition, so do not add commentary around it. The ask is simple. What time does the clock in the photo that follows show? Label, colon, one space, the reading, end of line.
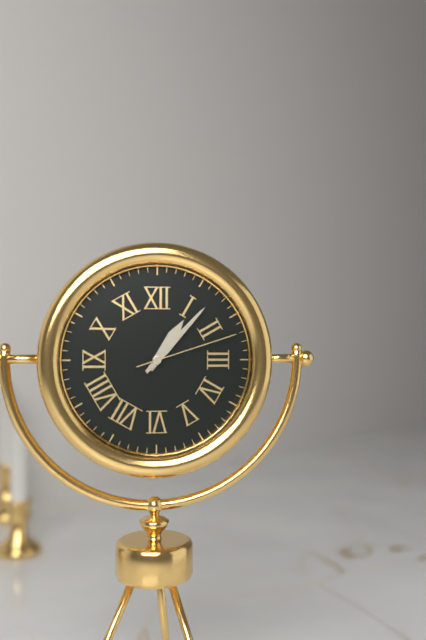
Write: 1:07:12
